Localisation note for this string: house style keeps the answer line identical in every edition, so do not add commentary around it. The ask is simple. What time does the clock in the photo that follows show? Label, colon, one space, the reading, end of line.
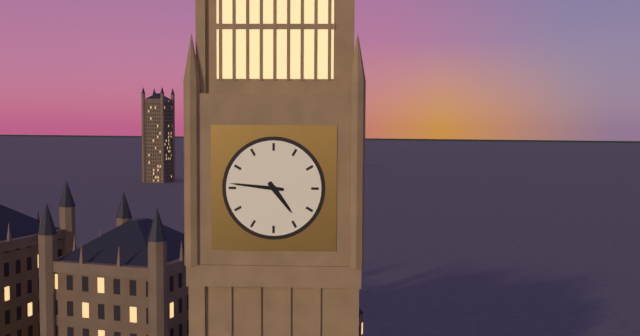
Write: 4:46
